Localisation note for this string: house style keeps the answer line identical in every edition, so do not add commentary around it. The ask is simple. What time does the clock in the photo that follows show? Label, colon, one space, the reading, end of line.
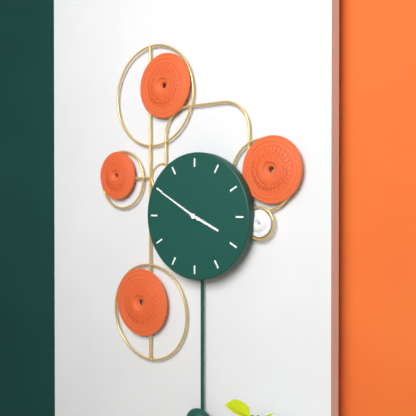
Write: 3:50
